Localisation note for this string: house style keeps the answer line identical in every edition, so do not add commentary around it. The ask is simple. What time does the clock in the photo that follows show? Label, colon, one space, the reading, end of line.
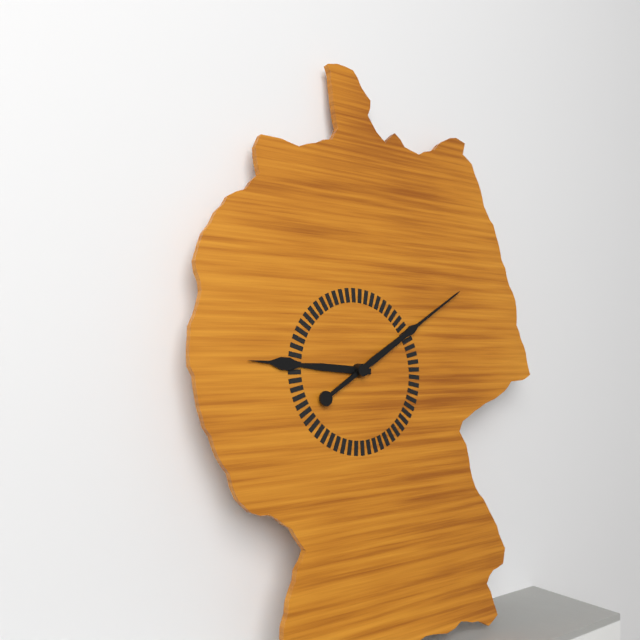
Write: 9:10
